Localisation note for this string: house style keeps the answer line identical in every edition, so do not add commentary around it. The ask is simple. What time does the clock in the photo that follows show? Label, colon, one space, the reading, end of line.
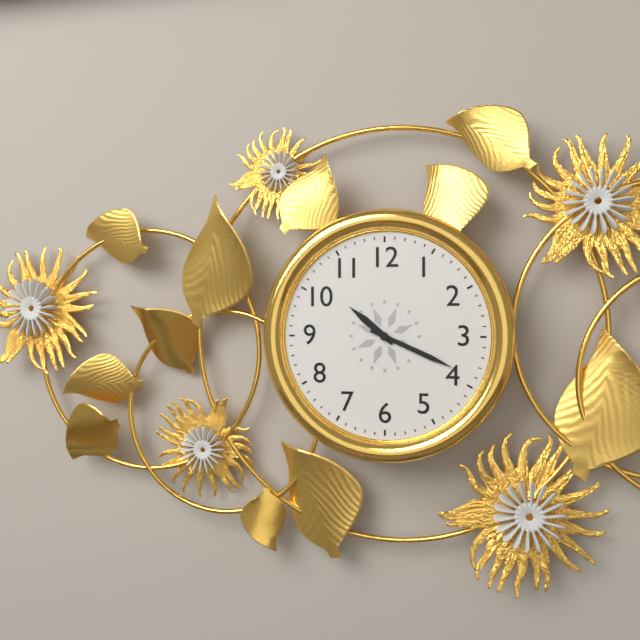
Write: 10:19
